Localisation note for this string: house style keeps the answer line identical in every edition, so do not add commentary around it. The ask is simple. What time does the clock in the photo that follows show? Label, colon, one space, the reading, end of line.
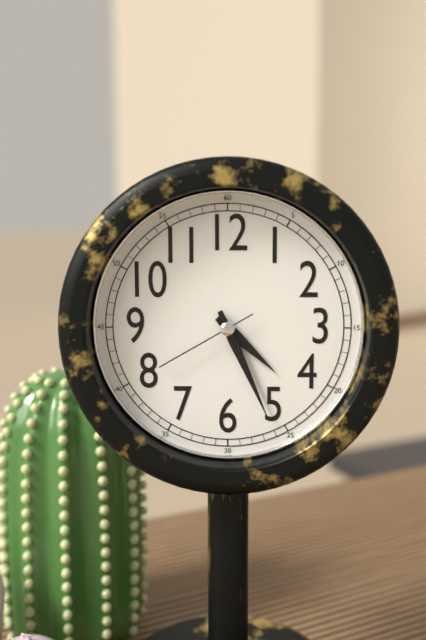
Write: 4:26:40
